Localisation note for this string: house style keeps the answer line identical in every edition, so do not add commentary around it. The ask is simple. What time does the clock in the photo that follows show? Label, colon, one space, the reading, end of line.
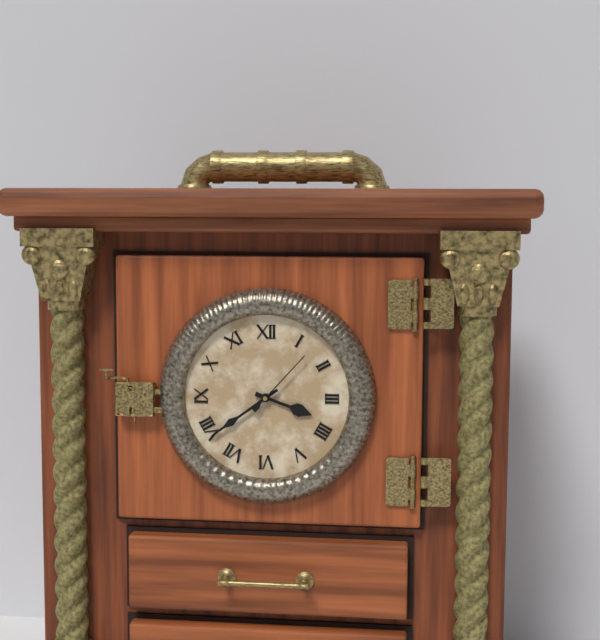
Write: 3:39:07
